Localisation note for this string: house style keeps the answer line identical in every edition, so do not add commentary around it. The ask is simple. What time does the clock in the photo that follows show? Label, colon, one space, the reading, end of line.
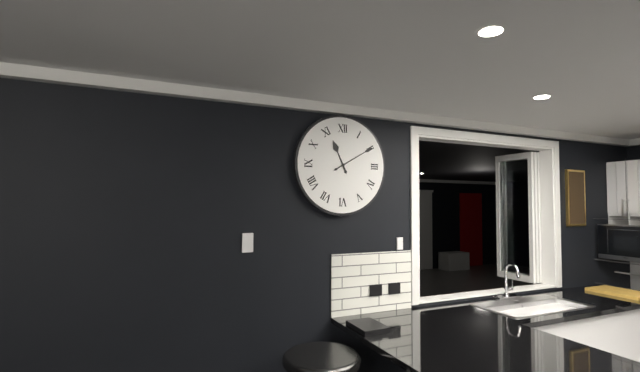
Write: 11:10
